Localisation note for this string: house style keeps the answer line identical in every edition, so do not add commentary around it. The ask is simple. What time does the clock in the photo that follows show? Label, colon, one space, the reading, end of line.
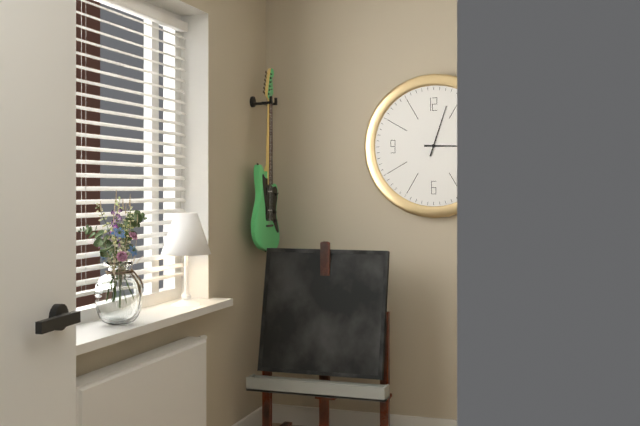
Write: 3:03
